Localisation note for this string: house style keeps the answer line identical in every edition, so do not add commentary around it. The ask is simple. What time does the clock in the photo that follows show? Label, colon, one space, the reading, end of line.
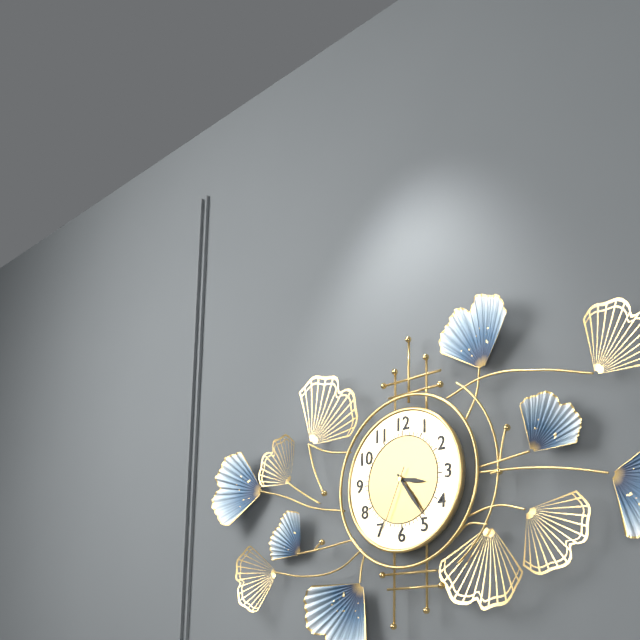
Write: 3:24:34
